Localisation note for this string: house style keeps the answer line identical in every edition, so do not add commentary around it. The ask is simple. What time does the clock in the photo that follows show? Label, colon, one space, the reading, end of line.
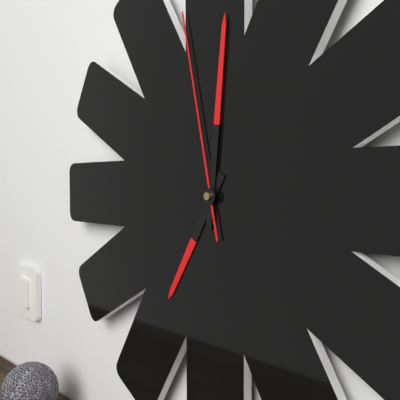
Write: 7:01:58
